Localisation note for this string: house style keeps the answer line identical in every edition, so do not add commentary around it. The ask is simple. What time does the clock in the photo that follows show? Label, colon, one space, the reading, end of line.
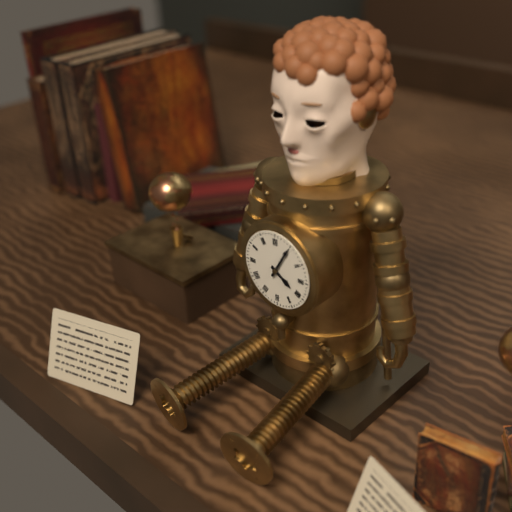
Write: 4:05
